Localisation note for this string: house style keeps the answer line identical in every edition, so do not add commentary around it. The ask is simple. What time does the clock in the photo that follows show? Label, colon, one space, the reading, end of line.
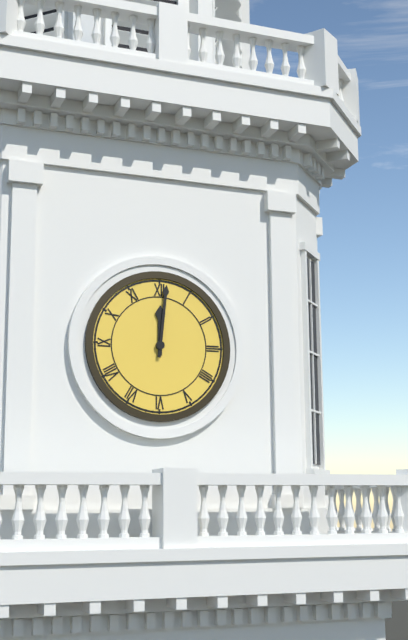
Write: 12:01
